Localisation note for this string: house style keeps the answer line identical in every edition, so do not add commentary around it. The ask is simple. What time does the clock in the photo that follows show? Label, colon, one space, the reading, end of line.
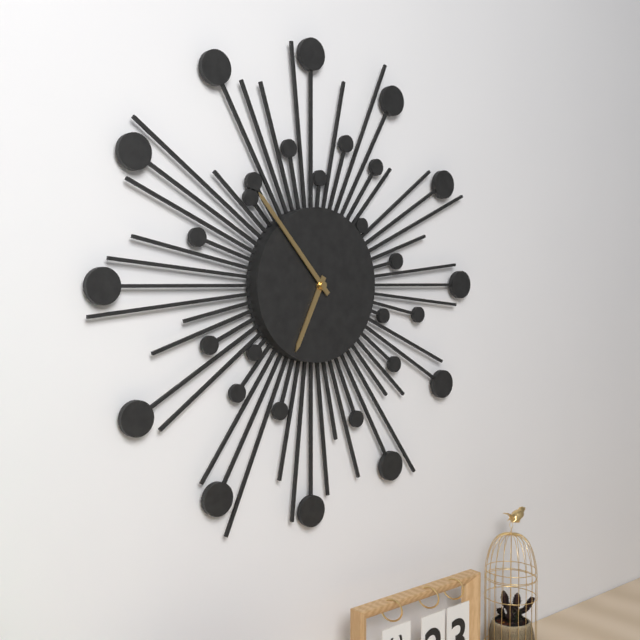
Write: 6:53
